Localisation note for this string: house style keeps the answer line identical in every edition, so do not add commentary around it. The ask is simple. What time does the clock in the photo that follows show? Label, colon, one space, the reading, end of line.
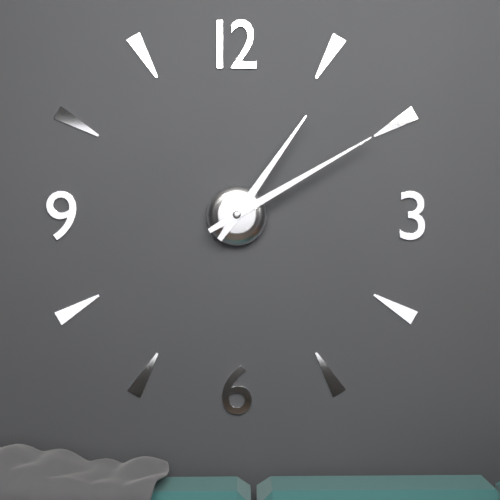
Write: 1:10
